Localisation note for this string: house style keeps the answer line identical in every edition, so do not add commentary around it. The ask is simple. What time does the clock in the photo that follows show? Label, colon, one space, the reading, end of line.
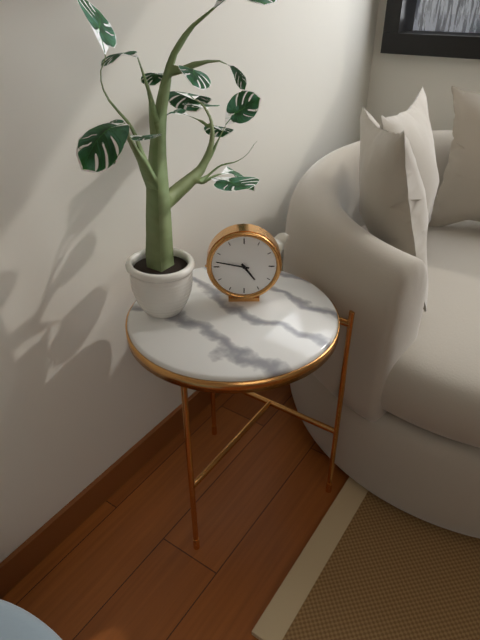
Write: 4:47
